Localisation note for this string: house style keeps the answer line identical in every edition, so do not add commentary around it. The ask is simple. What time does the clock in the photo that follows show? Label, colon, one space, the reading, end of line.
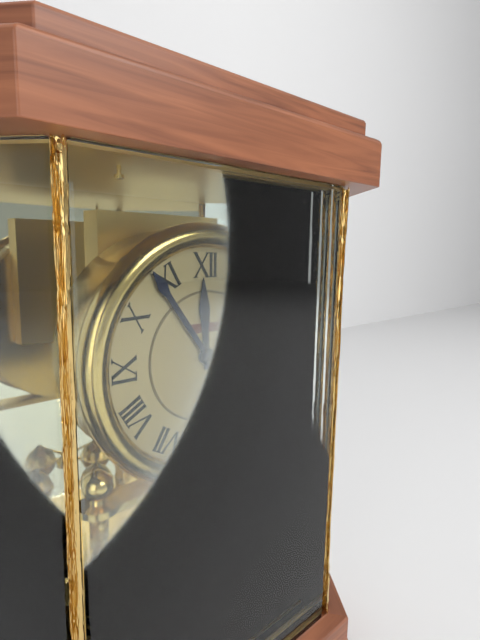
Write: 11:54
